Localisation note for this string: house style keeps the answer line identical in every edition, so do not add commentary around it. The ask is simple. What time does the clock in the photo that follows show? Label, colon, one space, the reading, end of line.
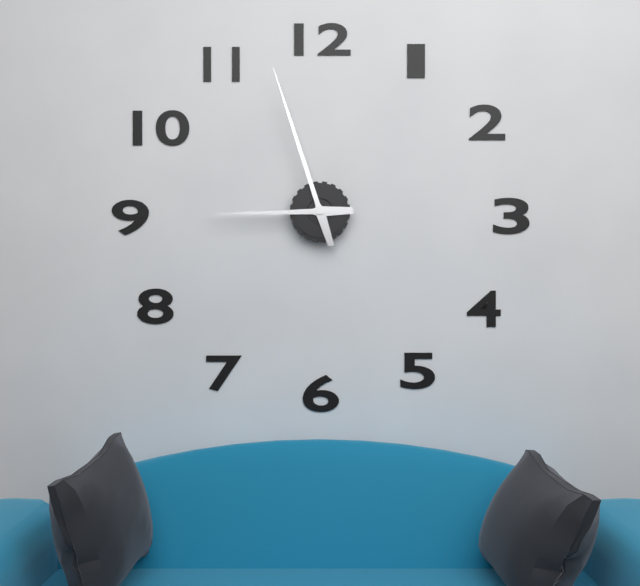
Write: 8:57
